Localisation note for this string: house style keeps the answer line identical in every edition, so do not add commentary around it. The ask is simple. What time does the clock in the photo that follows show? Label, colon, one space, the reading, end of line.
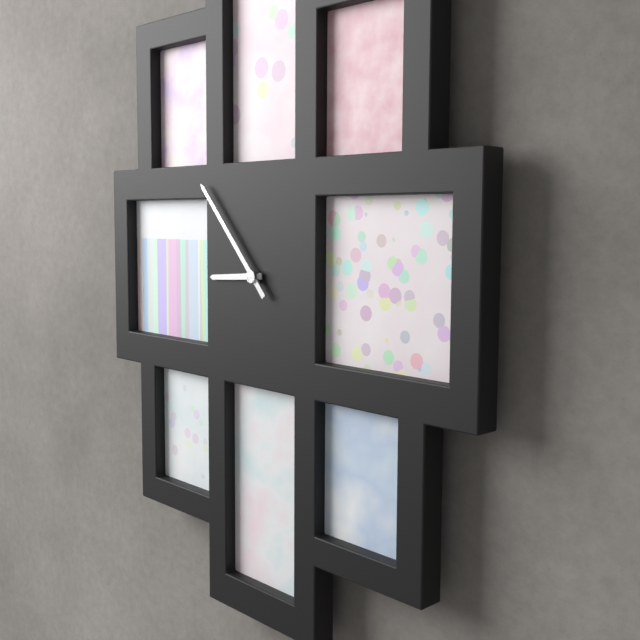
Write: 8:53
